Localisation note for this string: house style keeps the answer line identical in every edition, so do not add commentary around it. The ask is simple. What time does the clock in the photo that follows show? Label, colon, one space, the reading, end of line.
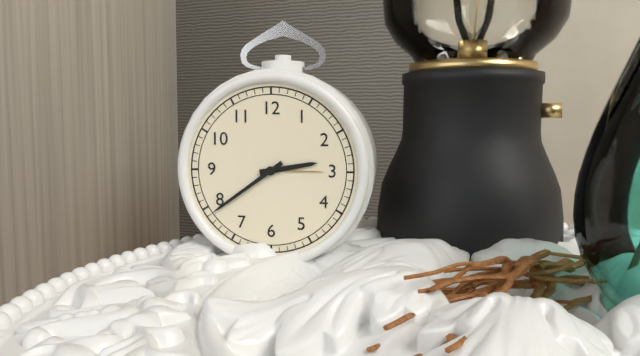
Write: 2:39
